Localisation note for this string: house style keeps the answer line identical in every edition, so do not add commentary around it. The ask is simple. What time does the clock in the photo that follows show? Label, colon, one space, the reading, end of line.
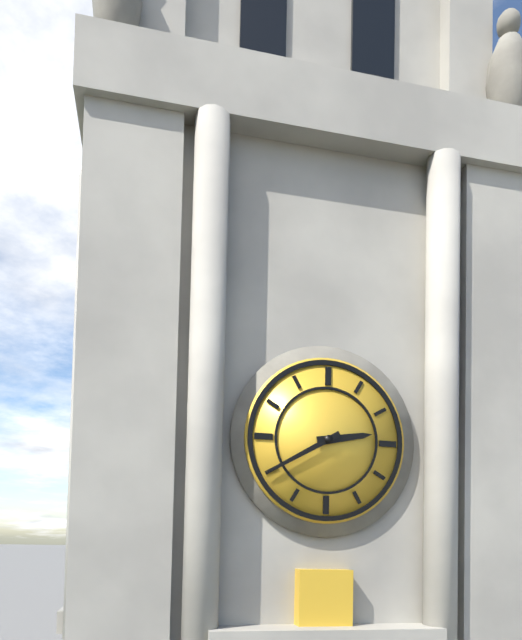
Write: 2:40
